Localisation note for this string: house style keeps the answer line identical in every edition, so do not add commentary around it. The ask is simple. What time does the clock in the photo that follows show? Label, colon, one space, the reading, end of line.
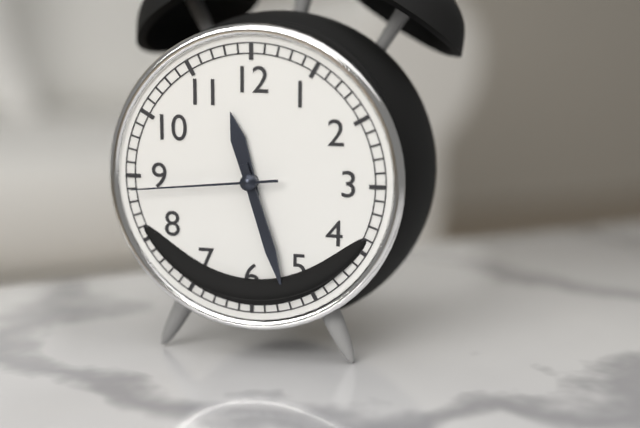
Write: 11:27:44
